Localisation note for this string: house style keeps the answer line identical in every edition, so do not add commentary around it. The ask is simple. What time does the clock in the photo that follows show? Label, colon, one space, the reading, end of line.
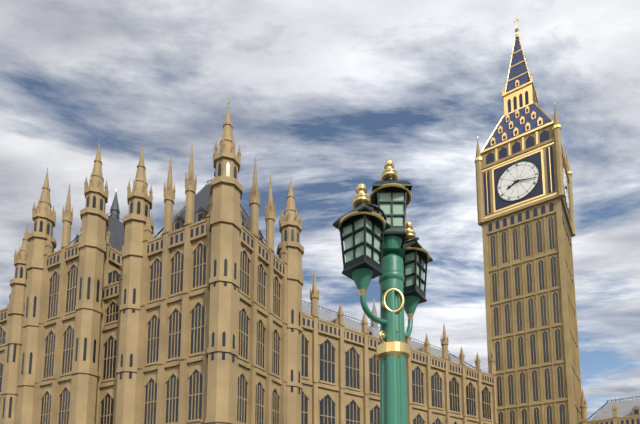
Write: 8:17
